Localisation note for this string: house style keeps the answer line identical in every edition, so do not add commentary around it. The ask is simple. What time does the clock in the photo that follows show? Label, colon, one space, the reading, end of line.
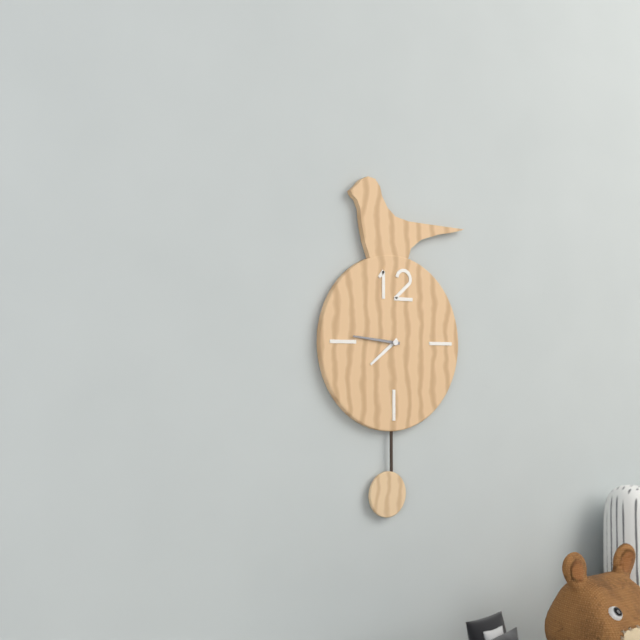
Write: 7:46
